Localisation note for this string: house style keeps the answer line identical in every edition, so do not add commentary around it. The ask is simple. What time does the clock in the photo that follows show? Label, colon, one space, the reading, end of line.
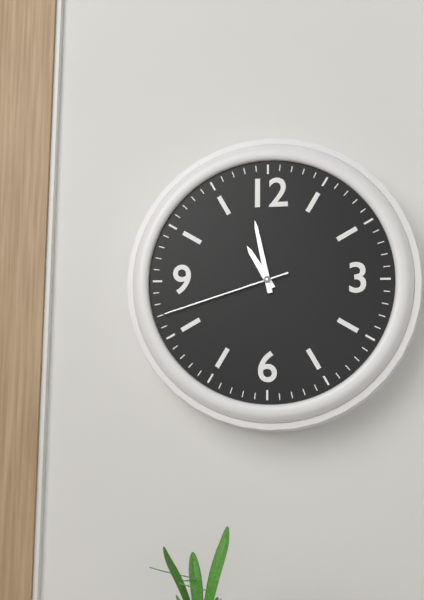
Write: 10:58:42
